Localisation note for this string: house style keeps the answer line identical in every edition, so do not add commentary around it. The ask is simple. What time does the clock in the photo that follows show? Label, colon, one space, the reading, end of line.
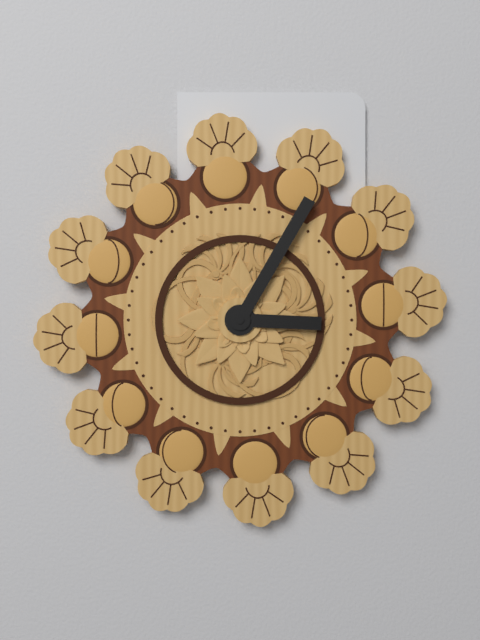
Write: 3:05
